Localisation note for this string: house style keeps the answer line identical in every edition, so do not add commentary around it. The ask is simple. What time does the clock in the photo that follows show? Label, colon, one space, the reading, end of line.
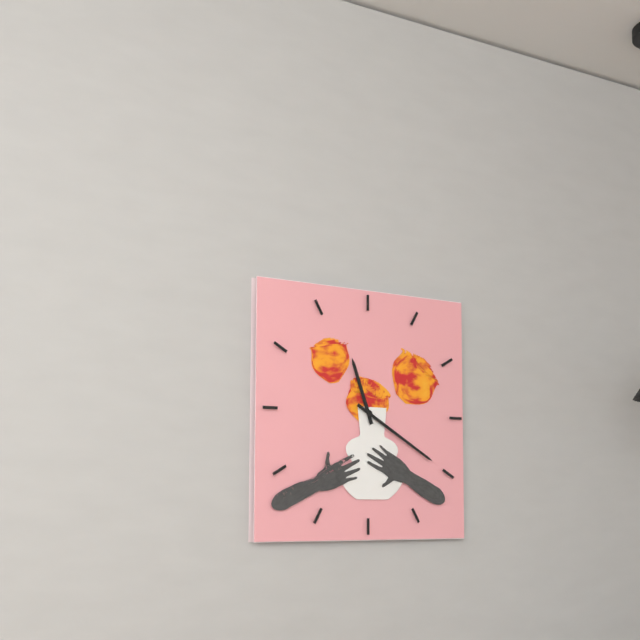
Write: 11:20
